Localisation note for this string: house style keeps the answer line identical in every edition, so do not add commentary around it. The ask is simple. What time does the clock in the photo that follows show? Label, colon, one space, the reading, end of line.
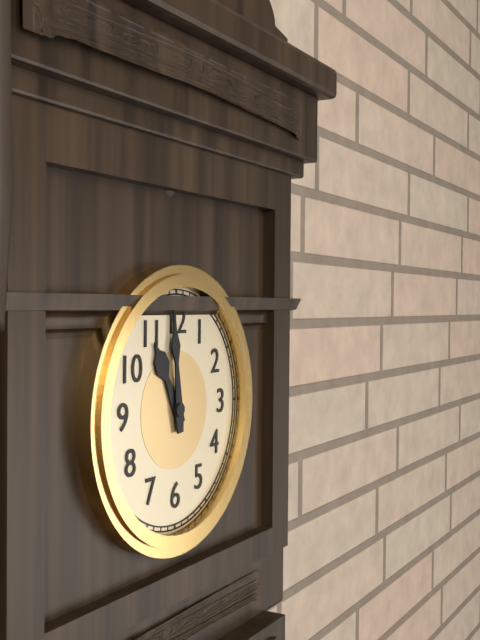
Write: 10:59
